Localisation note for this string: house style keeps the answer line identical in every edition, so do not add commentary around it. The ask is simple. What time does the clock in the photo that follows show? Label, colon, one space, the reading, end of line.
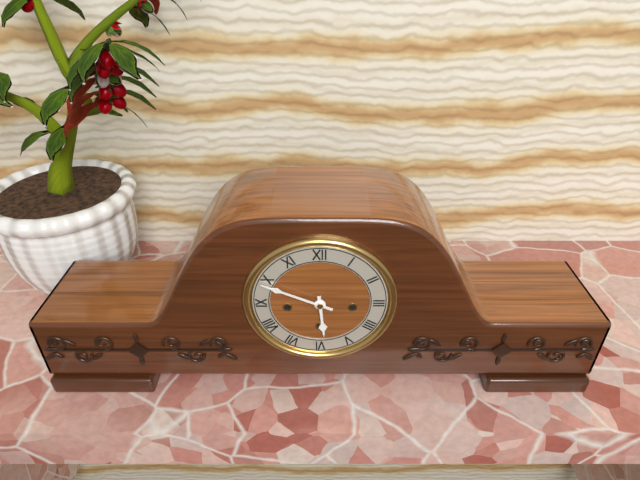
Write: 5:49
